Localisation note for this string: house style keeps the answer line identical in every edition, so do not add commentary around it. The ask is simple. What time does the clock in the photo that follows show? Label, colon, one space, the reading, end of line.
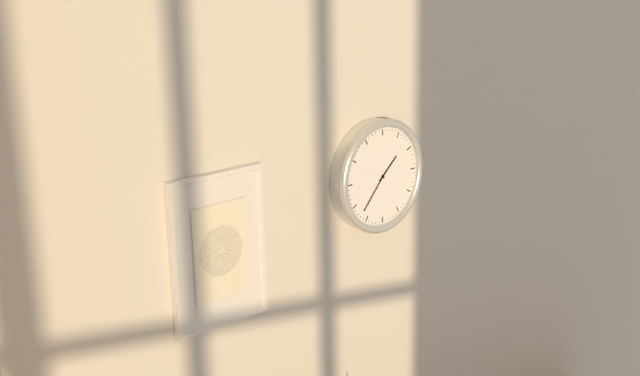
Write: 1:37
